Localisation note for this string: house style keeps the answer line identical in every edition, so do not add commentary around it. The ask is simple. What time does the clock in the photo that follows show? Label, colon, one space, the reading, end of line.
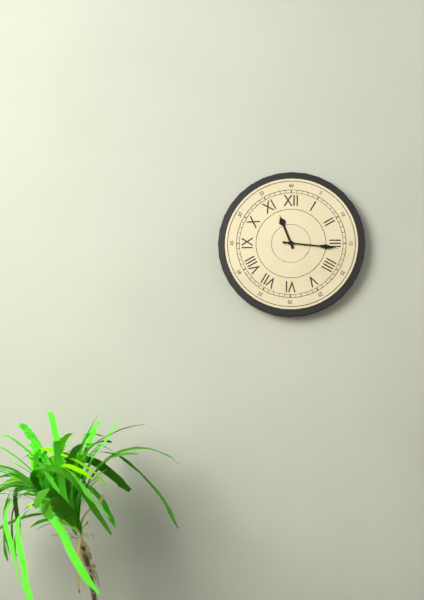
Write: 11:16
